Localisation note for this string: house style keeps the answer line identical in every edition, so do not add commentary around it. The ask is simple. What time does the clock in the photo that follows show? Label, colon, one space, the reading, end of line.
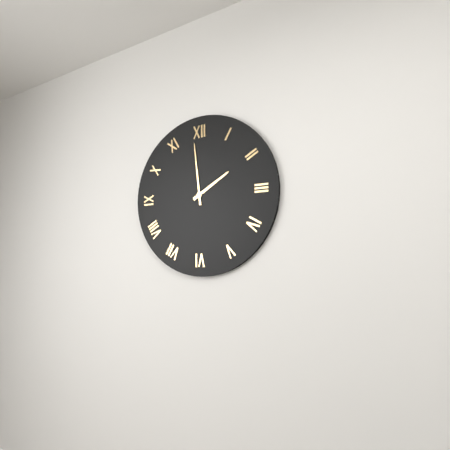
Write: 1:59
